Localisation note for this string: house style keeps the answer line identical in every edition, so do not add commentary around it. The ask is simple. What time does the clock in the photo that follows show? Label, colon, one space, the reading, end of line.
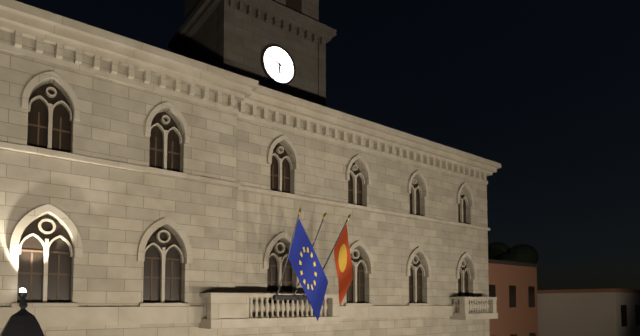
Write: 5:49
